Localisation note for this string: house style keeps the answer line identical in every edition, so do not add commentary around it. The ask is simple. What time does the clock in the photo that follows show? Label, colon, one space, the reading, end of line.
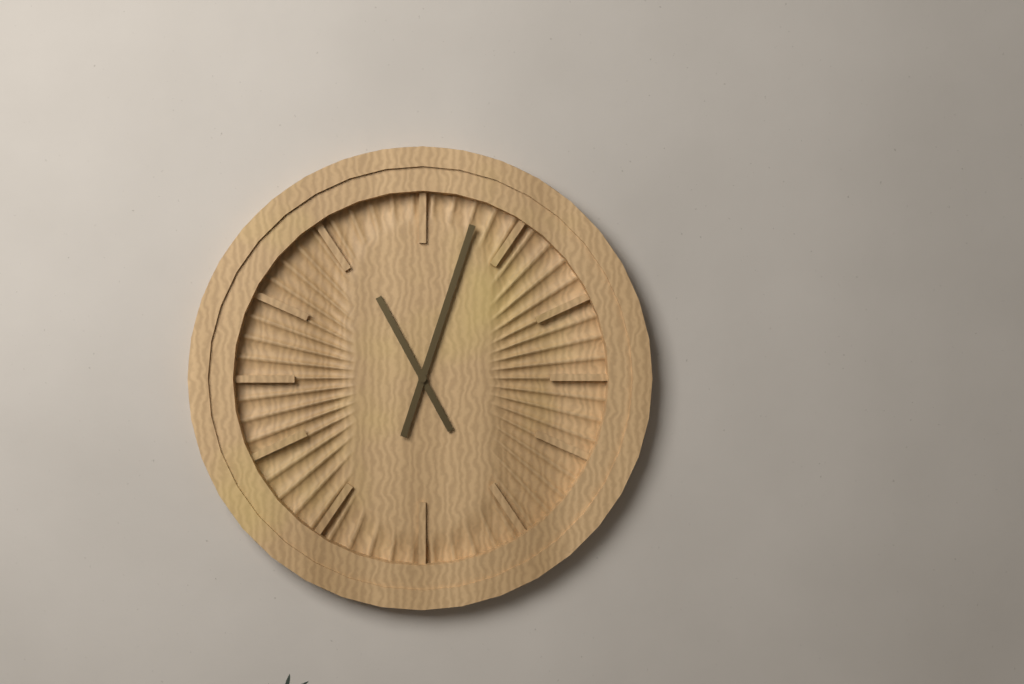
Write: 11:03
